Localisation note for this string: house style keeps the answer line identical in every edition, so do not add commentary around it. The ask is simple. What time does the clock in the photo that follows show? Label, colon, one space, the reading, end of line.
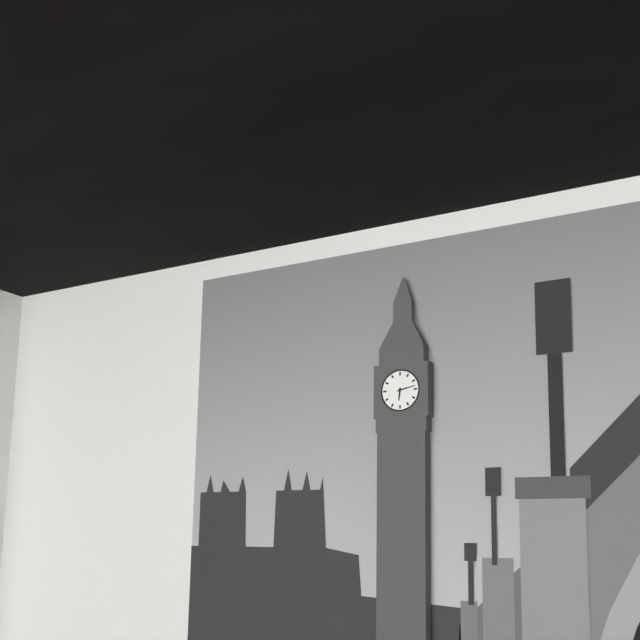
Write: 6:13
